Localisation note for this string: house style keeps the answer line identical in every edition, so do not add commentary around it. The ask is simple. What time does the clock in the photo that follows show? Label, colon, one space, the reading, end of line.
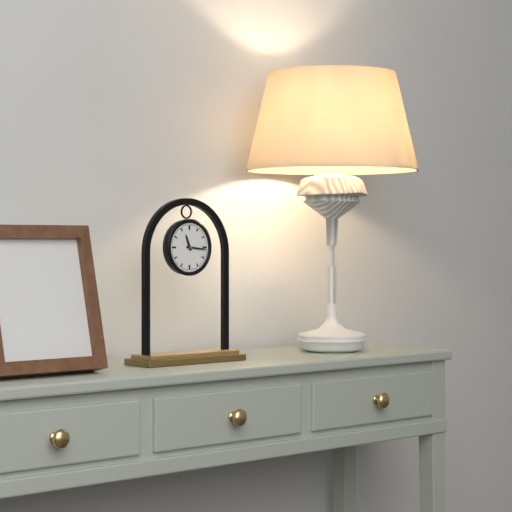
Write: 11:16
